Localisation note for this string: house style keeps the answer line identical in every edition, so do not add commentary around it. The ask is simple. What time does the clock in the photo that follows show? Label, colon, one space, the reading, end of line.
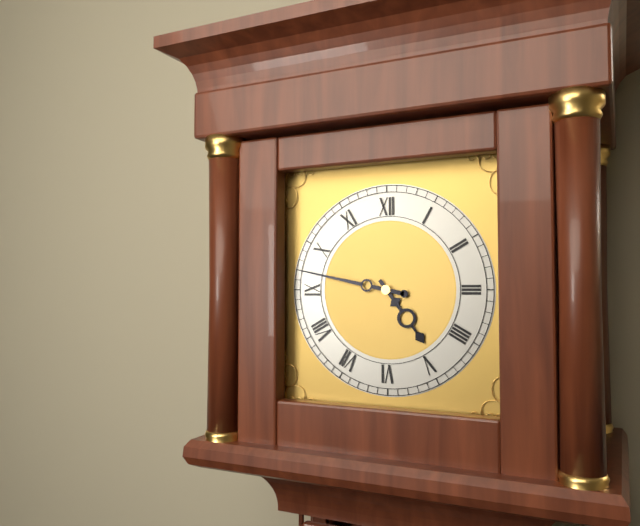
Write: 4:47
